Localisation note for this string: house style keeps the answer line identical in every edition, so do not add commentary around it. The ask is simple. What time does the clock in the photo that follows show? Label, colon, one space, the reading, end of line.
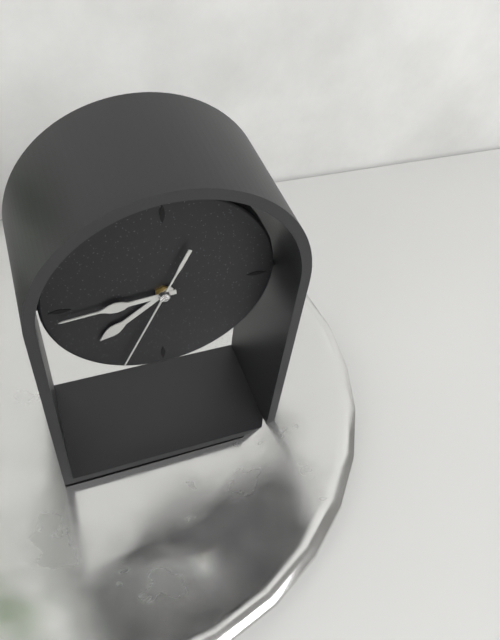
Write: 7:44:34
